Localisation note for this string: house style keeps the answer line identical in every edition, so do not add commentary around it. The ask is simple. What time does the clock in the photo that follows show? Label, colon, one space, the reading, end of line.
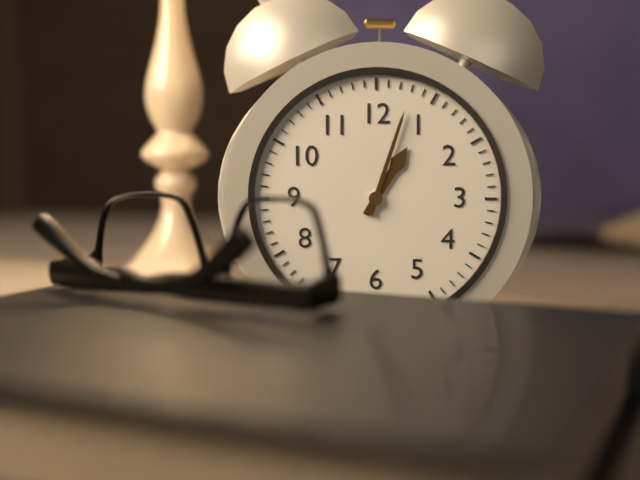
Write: 1:03
